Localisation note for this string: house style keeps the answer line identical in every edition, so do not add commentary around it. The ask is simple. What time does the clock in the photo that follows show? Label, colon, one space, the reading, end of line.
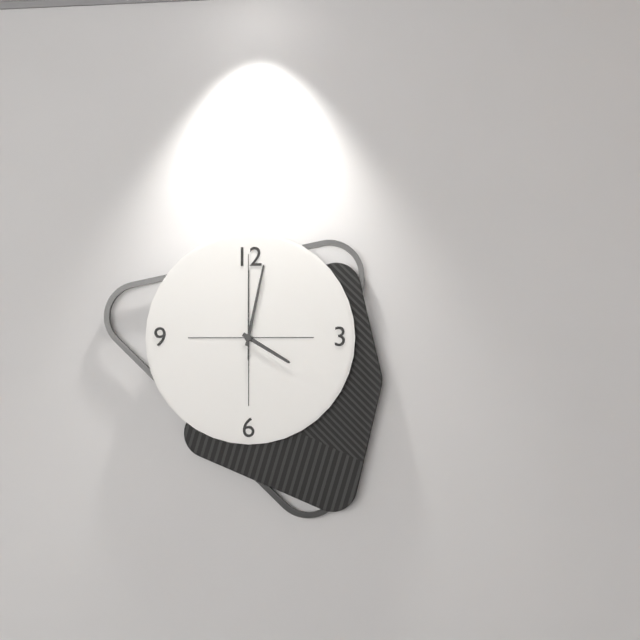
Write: 4:02:00
